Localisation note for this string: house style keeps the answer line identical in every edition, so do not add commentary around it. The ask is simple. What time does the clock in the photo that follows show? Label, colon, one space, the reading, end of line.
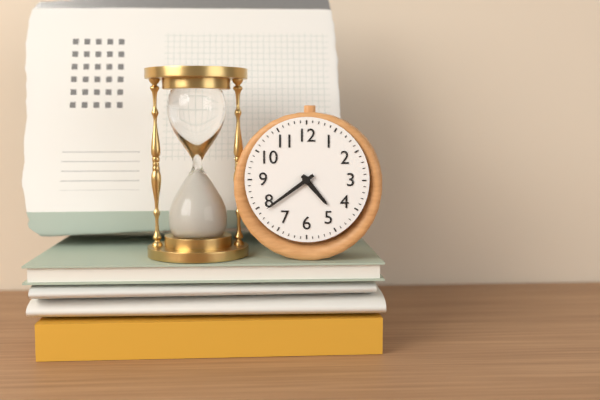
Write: 4:39
